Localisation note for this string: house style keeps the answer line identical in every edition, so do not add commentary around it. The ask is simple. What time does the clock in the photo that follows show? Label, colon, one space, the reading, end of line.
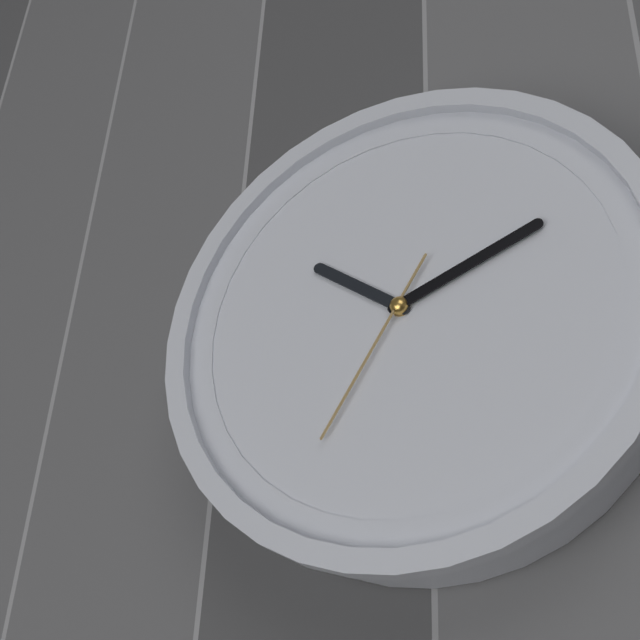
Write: 10:11:35
